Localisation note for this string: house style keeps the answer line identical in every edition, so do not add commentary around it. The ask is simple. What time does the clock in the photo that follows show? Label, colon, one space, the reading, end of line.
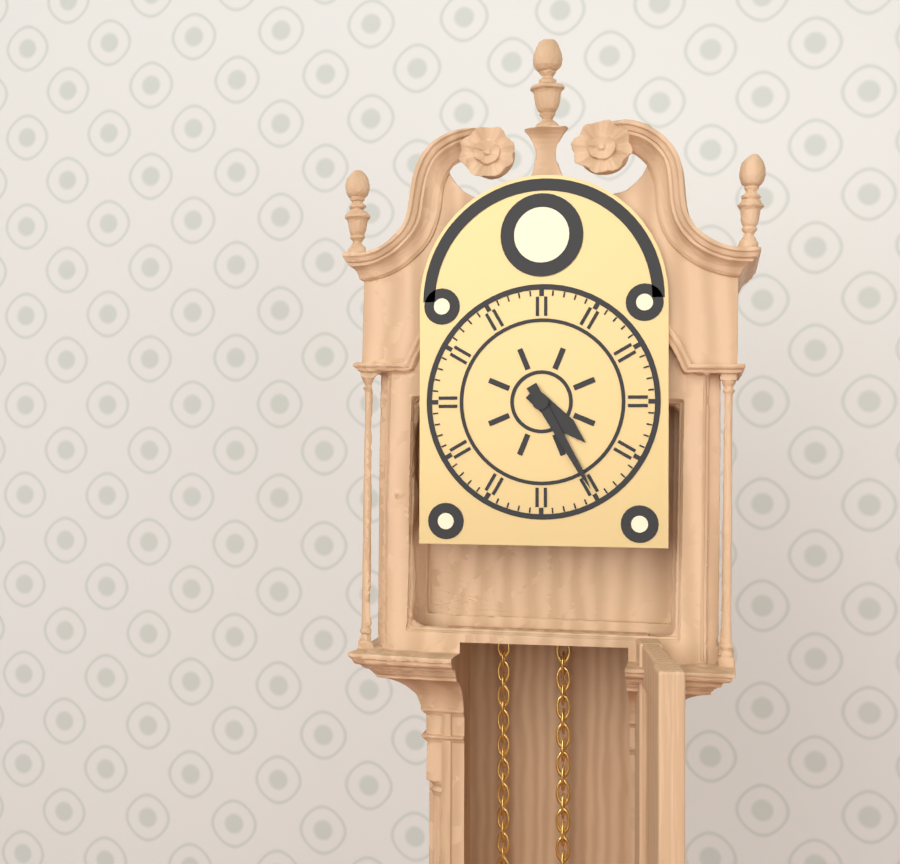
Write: 4:25
